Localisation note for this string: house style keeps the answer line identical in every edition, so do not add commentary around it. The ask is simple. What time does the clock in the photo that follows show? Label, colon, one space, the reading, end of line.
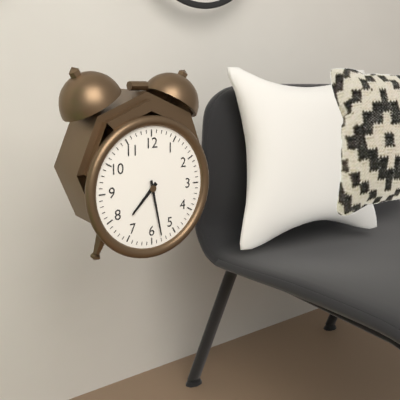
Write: 7:28
